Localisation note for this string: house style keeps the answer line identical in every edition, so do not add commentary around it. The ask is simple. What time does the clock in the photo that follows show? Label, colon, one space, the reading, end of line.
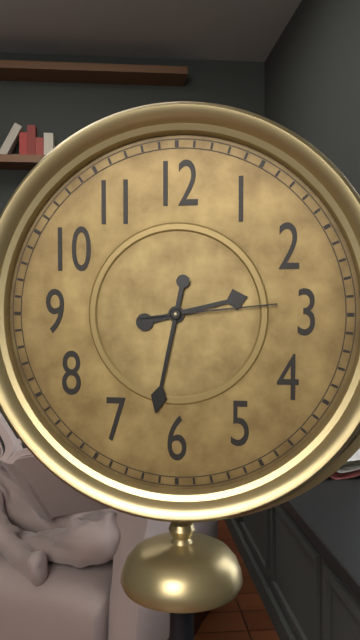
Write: 2:32:14
